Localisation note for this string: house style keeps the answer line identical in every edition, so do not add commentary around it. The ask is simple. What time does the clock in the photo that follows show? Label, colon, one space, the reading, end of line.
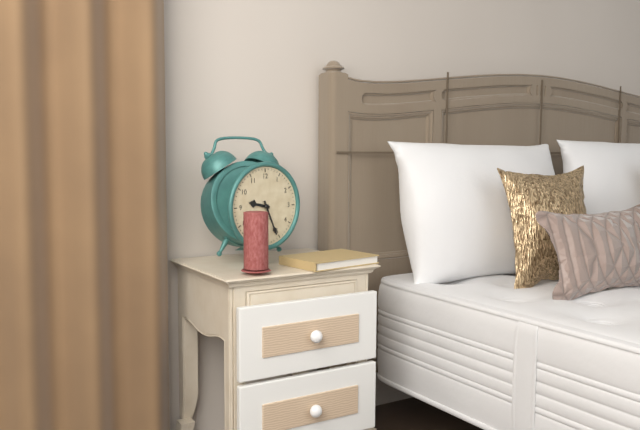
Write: 9:26
